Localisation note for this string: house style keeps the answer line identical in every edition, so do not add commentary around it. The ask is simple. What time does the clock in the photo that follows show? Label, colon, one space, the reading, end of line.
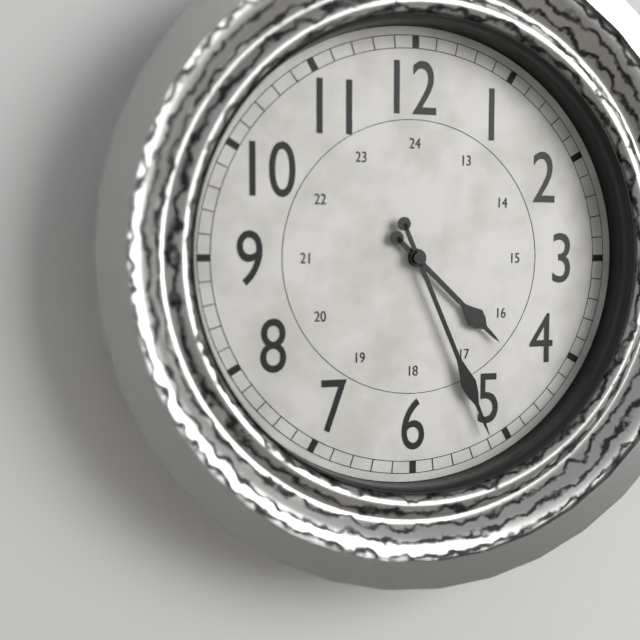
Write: 4:26
